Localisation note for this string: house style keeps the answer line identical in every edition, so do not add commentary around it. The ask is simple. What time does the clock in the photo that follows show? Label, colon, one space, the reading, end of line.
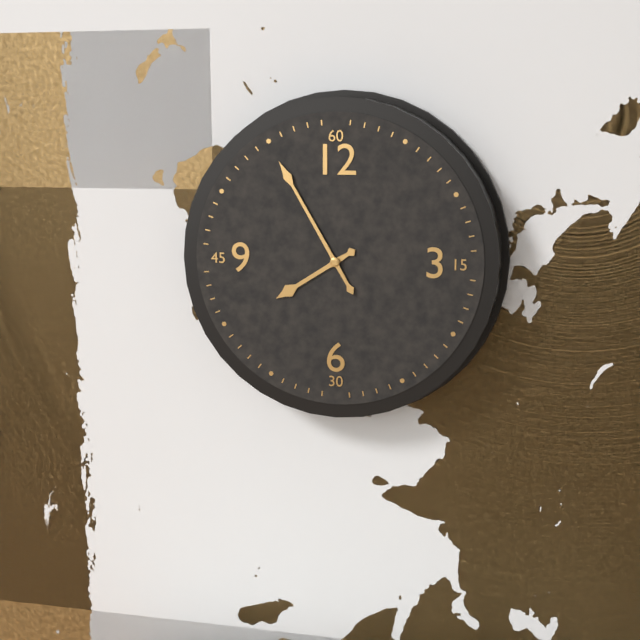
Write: 7:55
